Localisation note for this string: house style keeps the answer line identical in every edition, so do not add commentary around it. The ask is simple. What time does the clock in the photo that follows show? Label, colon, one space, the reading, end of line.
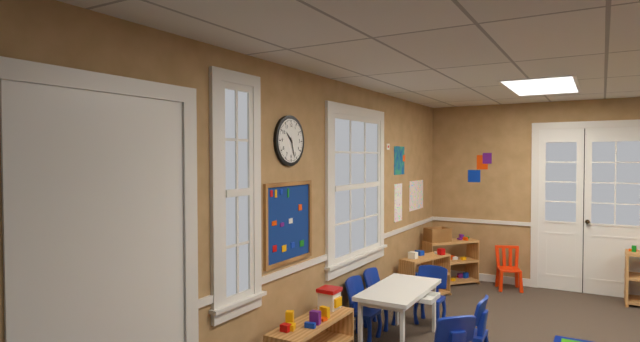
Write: 10:27
